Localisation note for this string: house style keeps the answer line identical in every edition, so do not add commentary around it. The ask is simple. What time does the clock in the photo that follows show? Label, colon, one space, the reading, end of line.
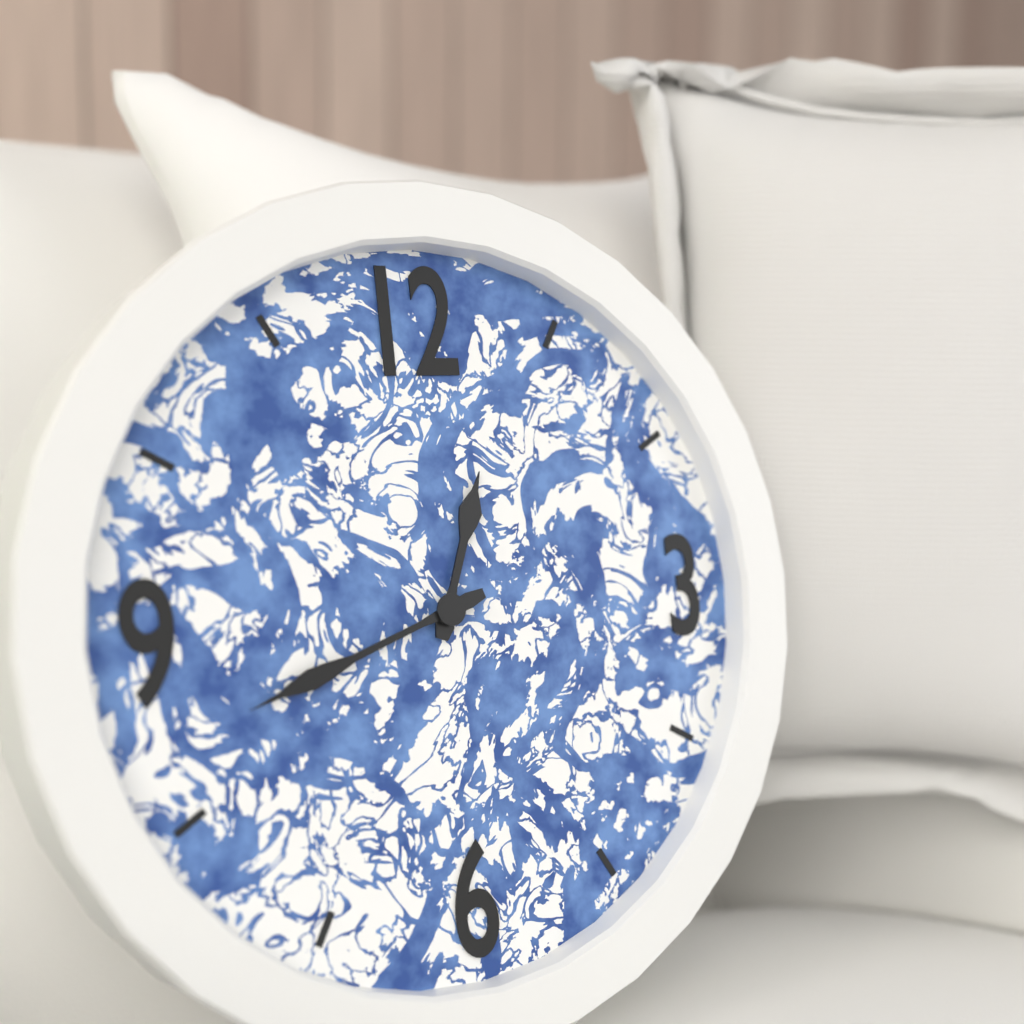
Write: 12:42
